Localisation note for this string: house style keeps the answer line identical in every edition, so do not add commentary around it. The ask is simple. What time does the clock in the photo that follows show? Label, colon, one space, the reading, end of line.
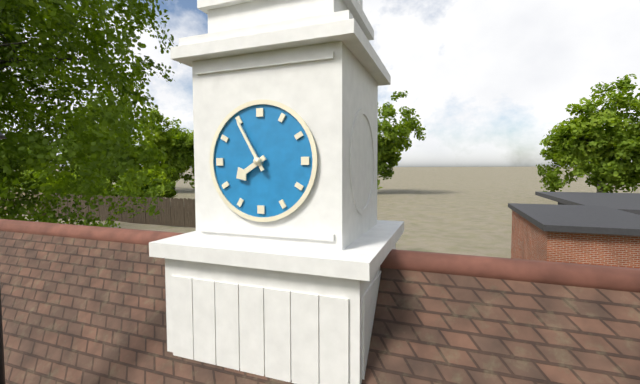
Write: 7:55
